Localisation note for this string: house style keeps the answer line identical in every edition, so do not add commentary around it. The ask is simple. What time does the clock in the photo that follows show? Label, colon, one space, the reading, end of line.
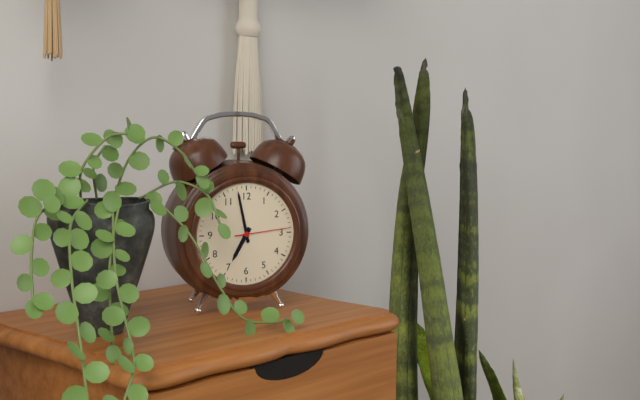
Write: 6:58:14
